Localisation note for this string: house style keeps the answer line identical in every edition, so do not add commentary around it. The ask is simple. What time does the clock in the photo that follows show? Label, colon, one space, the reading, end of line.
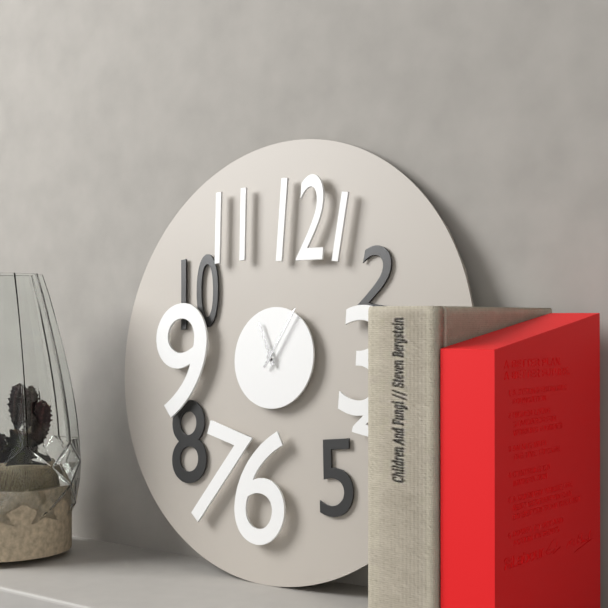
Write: 11:05
